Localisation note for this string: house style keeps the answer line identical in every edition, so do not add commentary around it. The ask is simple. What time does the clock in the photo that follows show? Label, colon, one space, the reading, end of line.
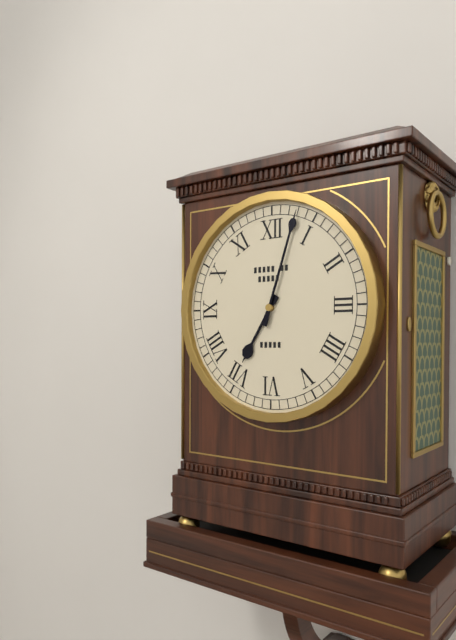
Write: 7:03
